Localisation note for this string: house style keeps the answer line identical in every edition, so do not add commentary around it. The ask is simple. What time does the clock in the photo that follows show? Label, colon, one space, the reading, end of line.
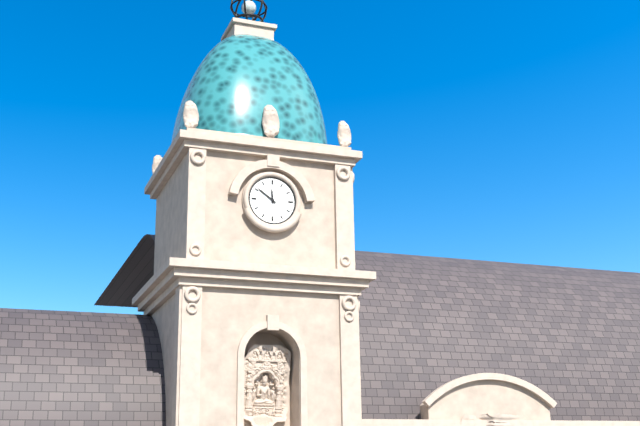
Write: 11:51
